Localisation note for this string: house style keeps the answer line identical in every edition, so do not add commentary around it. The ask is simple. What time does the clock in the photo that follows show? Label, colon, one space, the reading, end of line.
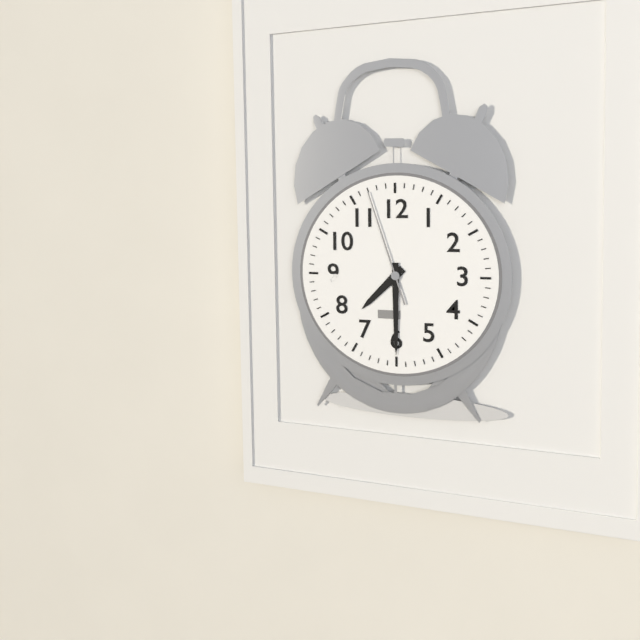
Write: 7:30:57
